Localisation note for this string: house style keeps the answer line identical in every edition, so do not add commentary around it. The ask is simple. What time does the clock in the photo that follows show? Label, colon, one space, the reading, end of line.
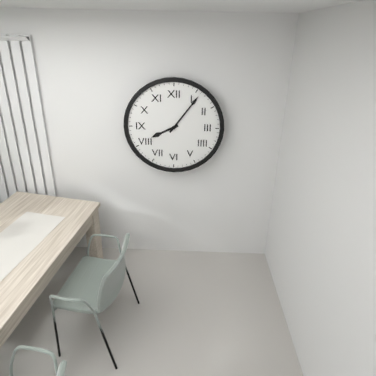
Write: 8:06
